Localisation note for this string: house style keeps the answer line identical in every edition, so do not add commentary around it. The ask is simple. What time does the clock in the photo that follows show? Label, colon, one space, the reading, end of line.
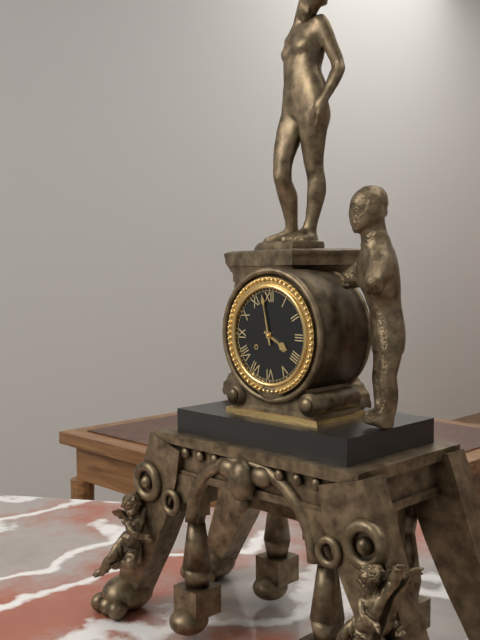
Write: 3:58
